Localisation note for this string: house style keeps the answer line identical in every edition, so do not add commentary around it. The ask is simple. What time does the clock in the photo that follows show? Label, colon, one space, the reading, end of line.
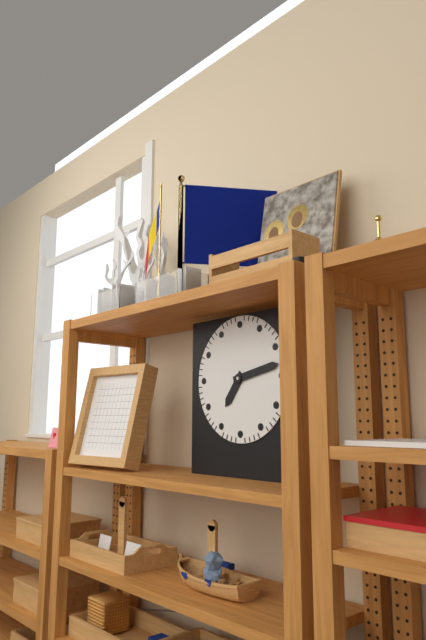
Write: 7:13
